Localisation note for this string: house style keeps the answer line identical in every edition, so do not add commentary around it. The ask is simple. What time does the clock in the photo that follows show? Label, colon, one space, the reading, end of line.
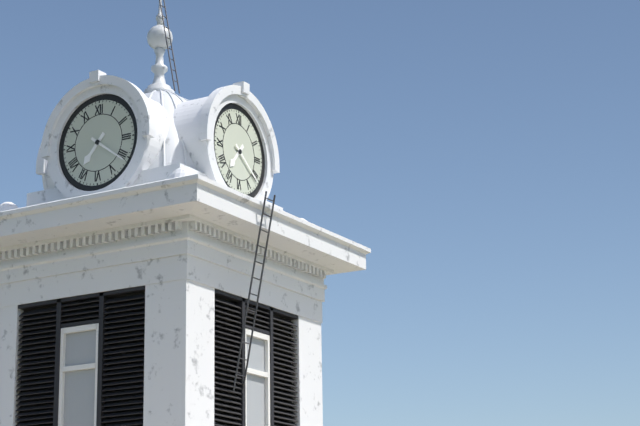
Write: 7:21
